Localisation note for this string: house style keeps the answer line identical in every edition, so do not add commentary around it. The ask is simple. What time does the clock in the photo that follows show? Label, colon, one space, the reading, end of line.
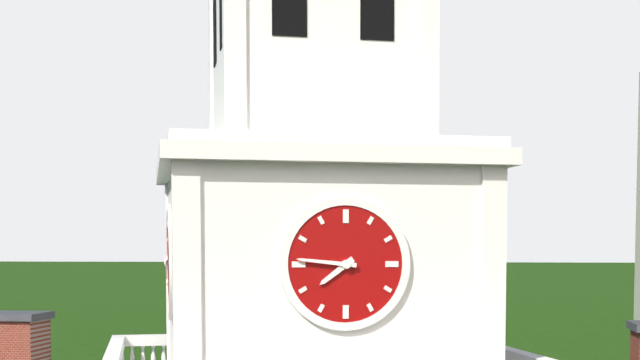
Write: 7:46
